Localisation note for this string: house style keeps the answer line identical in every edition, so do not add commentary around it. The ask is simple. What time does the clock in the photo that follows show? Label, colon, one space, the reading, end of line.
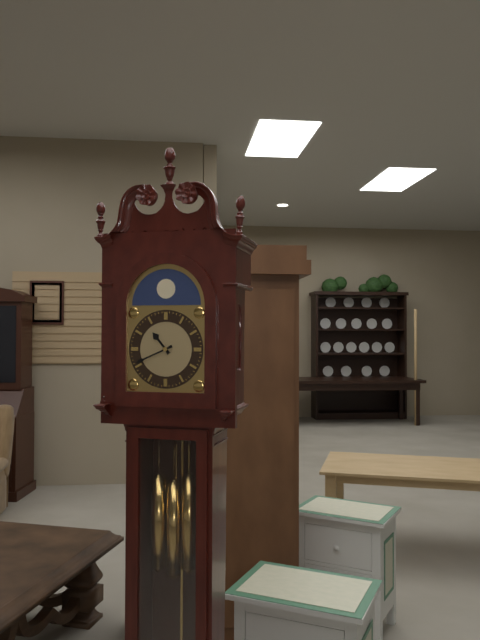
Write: 10:41
